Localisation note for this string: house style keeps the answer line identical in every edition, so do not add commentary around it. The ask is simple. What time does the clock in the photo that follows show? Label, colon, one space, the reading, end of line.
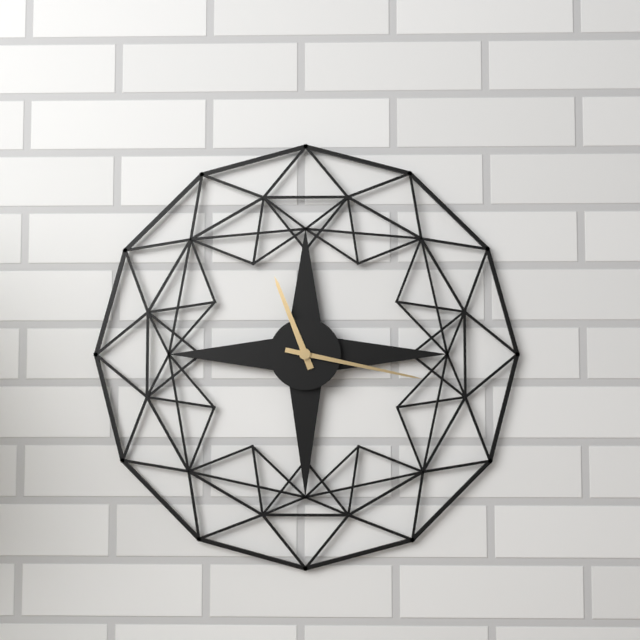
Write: 11:17
